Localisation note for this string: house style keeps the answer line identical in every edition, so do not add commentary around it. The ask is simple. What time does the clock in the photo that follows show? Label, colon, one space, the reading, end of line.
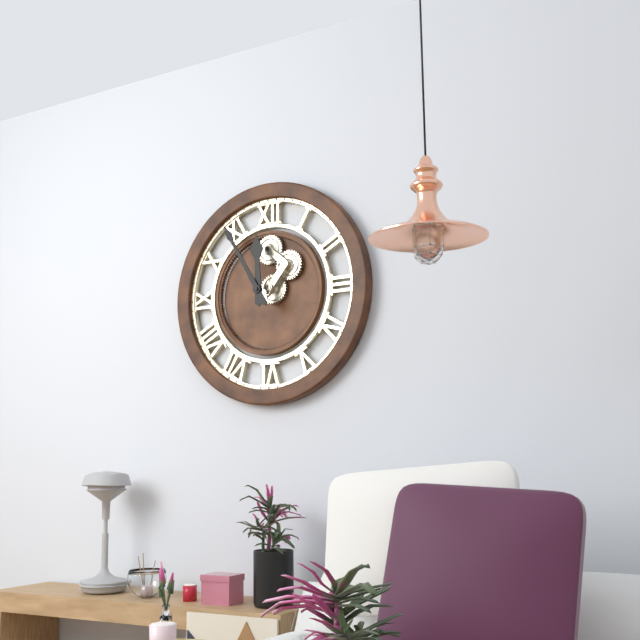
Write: 11:55
